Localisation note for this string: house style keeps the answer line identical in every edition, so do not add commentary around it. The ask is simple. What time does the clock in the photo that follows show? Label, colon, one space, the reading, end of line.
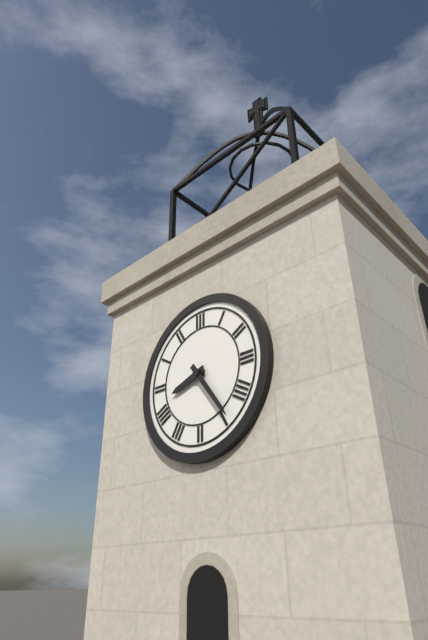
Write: 8:24
